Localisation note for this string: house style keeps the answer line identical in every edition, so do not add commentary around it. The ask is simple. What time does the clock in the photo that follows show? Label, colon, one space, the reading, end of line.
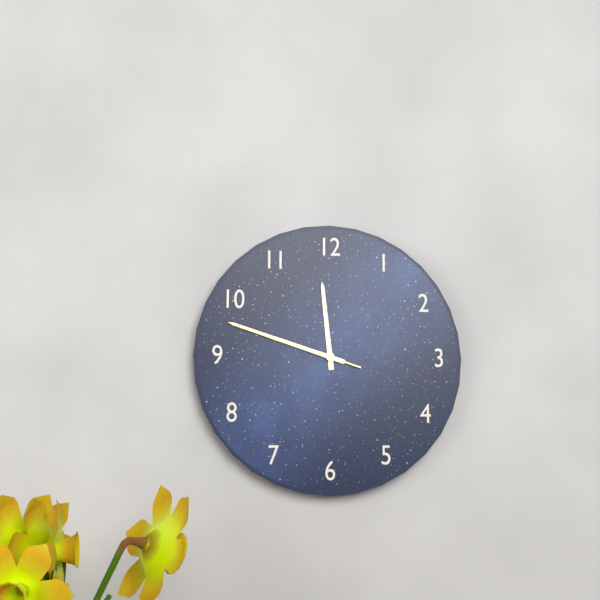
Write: 11:48:48
